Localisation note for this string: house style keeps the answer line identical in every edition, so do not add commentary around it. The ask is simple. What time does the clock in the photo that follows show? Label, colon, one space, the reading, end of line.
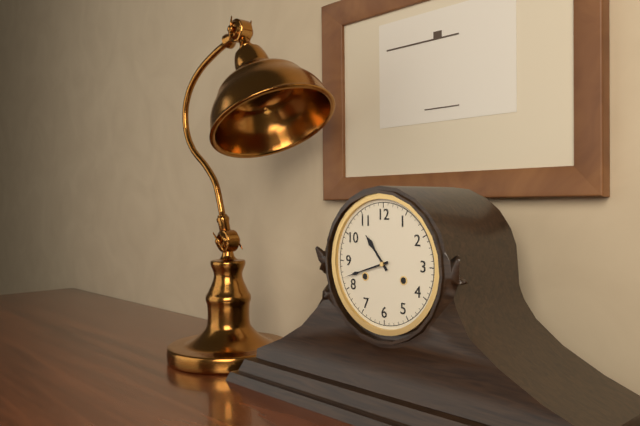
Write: 10:42
